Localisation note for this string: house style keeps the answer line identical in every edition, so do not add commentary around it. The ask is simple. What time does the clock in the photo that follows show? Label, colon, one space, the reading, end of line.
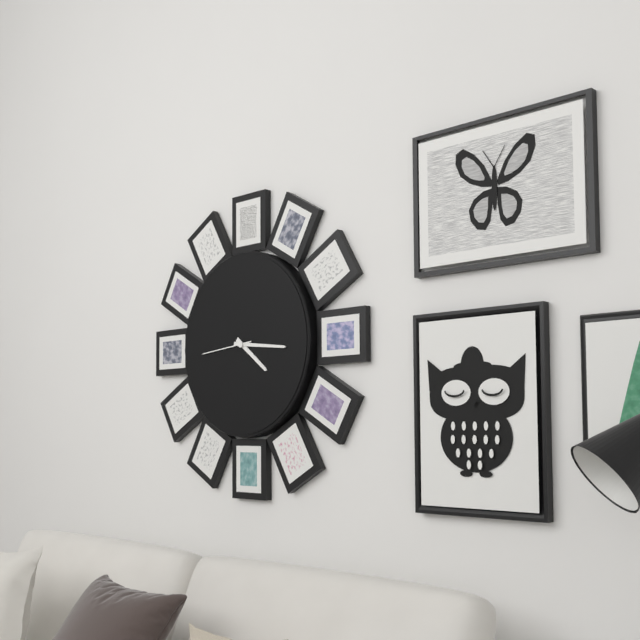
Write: 4:16:44
